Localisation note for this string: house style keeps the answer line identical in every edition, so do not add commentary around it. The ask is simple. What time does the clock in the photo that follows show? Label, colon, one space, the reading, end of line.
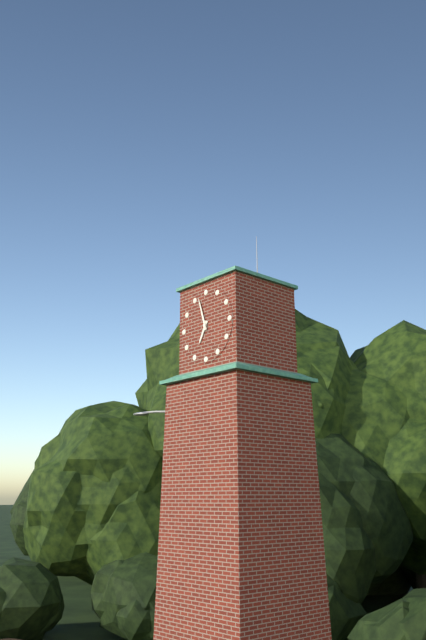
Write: 6:57
